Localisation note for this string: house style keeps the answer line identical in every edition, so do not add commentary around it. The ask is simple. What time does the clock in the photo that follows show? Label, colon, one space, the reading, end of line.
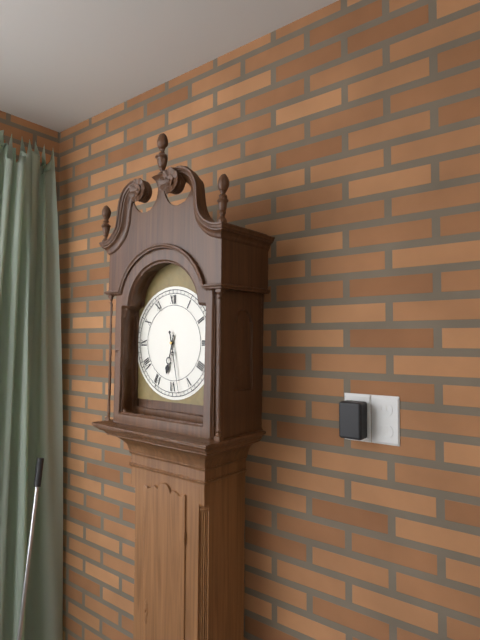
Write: 6:28
